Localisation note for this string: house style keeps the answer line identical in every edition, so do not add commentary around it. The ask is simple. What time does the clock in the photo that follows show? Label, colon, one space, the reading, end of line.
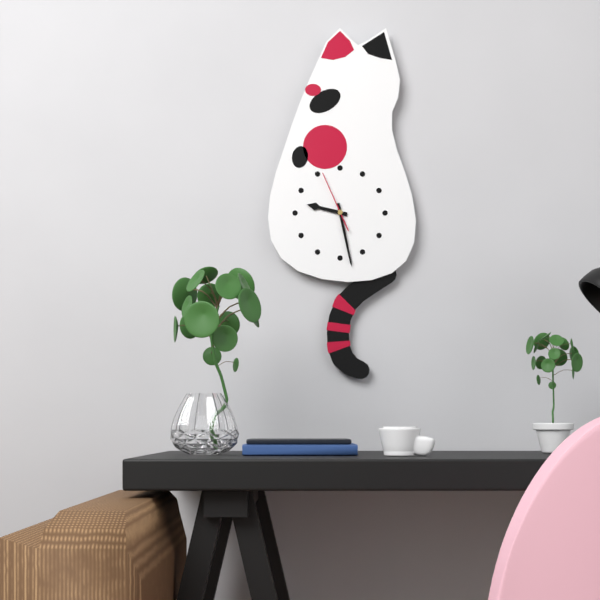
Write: 9:28:56
